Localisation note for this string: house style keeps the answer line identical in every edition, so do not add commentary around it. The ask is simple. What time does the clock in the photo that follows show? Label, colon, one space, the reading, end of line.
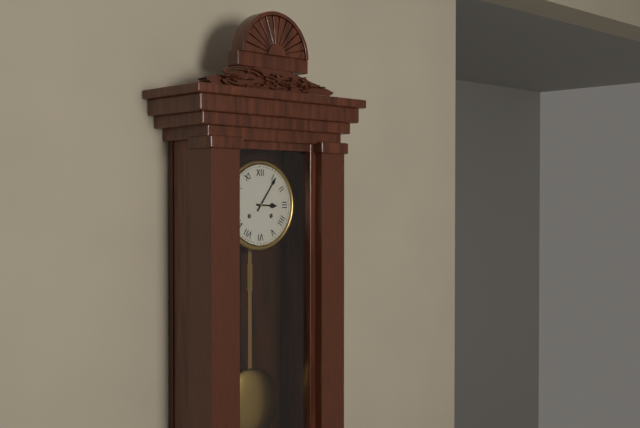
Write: 3:06
